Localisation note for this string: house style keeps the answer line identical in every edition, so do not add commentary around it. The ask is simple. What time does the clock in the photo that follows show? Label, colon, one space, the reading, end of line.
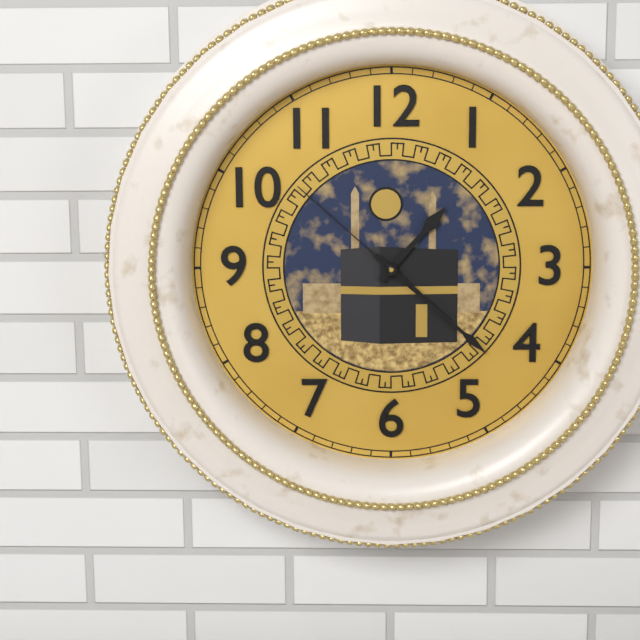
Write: 1:22:52
